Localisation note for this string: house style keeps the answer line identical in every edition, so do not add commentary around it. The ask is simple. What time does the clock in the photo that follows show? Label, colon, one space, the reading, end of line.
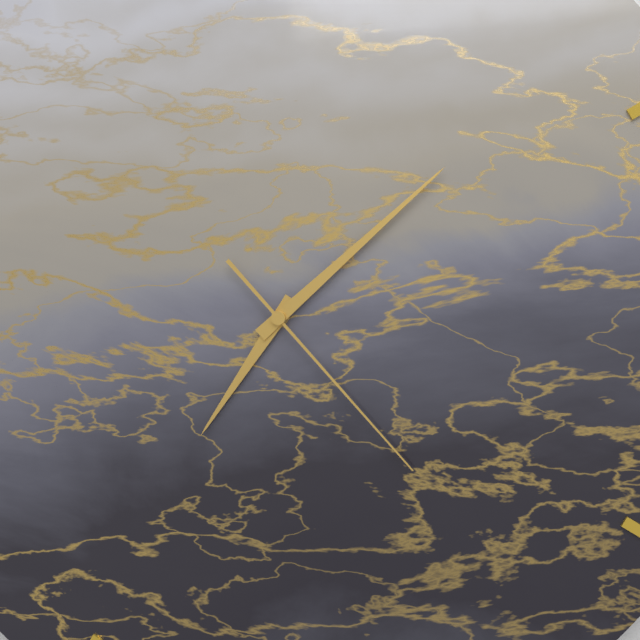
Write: 7:08:23
